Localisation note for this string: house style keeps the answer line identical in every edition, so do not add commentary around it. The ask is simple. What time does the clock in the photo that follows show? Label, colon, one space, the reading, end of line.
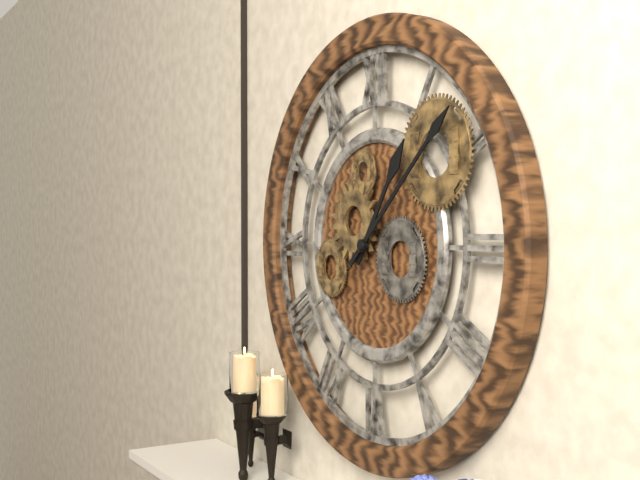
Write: 1:08
